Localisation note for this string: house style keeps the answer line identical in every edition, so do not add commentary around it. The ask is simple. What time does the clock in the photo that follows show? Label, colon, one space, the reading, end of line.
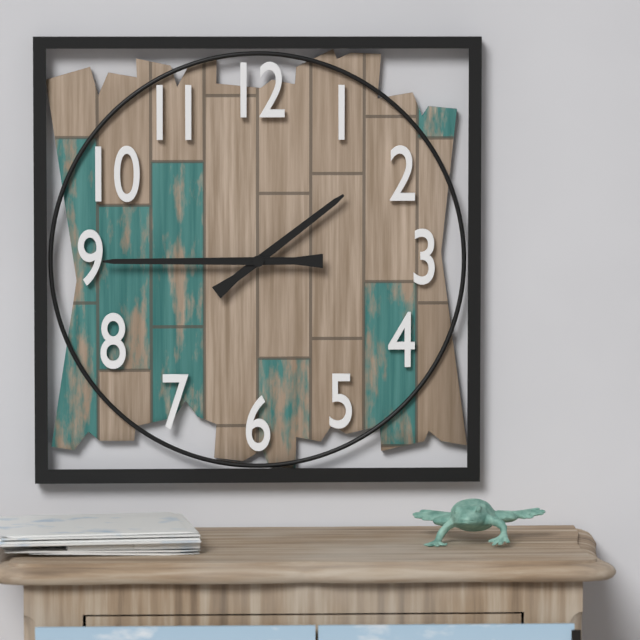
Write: 1:45
